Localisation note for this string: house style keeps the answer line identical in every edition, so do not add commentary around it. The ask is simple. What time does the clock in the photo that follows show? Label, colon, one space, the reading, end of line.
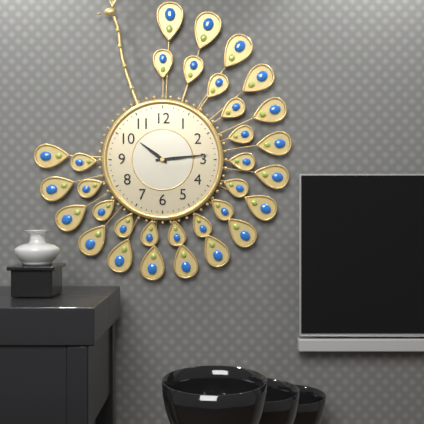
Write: 10:14
